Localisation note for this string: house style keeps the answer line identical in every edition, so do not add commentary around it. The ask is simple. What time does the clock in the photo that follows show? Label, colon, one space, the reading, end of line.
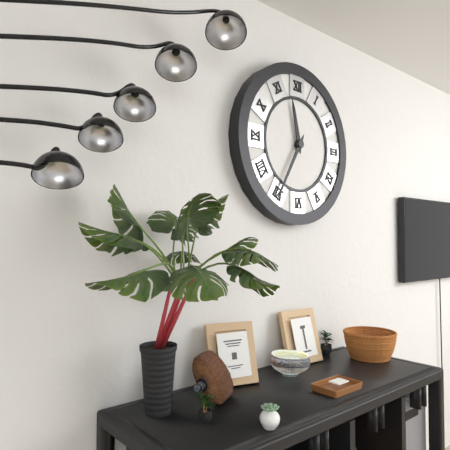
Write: 11:35
